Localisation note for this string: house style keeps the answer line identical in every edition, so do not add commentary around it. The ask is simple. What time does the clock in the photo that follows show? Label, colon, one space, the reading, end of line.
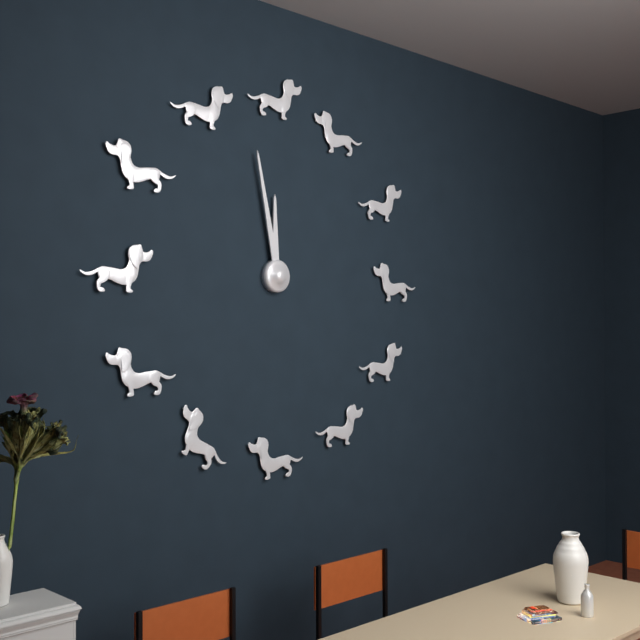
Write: 11:58
